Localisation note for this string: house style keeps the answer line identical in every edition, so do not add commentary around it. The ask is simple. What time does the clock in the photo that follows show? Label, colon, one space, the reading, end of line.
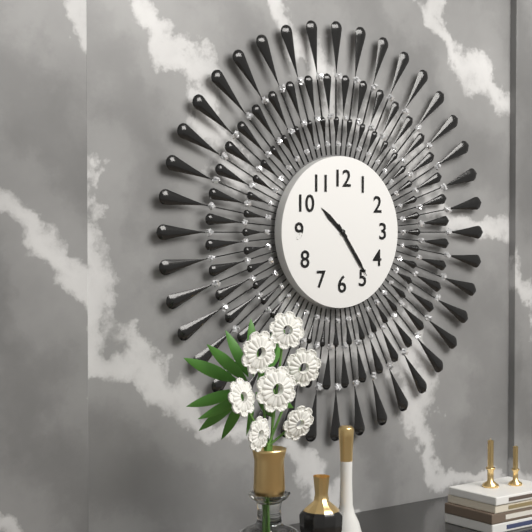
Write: 10:24
